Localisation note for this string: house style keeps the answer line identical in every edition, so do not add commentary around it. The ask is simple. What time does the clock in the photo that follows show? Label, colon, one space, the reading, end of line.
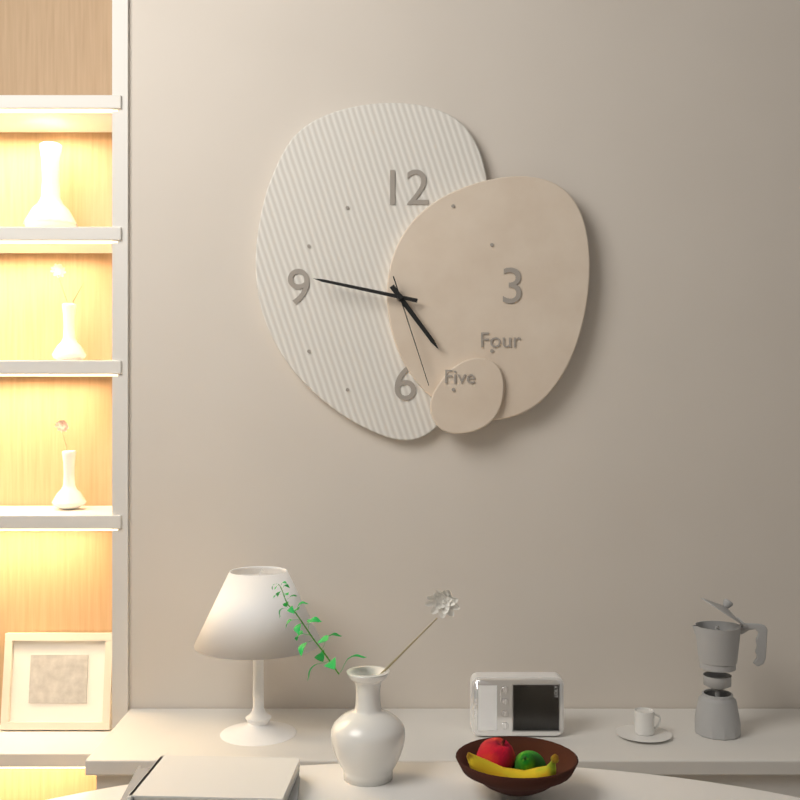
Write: 4:47:27
